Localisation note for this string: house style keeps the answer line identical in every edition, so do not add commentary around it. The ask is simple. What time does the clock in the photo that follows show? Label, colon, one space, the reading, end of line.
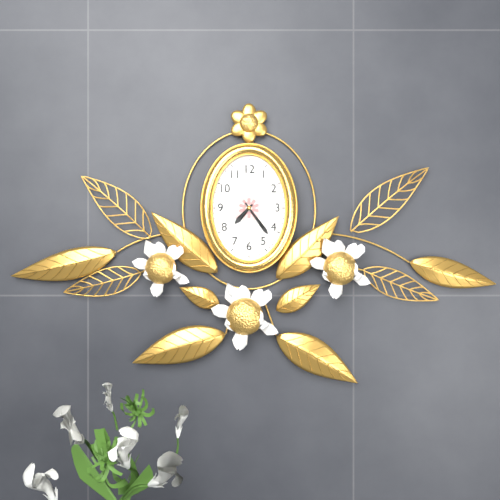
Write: 7:24
